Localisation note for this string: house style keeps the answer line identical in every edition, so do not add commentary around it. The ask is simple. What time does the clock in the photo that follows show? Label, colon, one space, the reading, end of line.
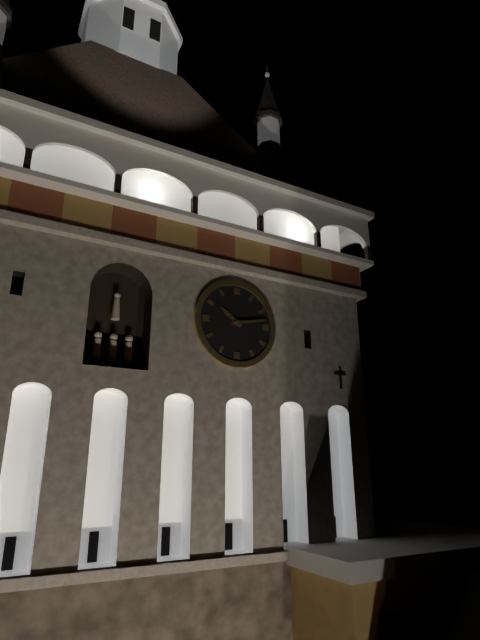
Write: 10:13
